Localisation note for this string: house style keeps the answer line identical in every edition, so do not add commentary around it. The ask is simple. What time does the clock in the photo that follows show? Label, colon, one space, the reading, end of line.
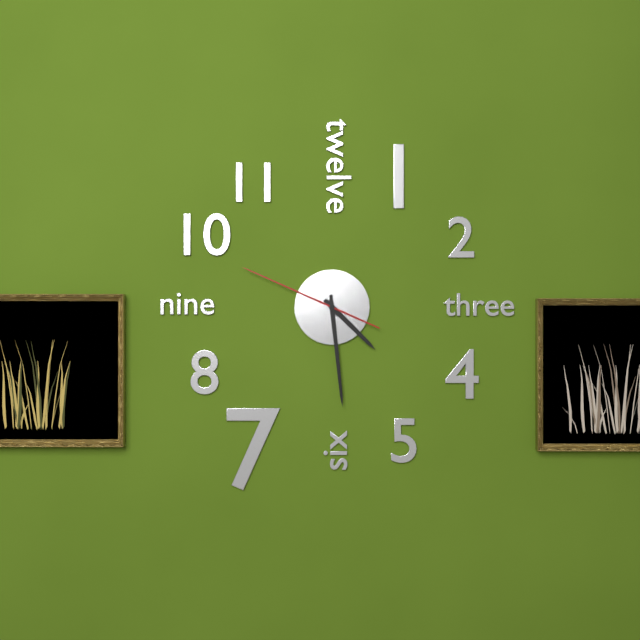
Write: 4:29:49
